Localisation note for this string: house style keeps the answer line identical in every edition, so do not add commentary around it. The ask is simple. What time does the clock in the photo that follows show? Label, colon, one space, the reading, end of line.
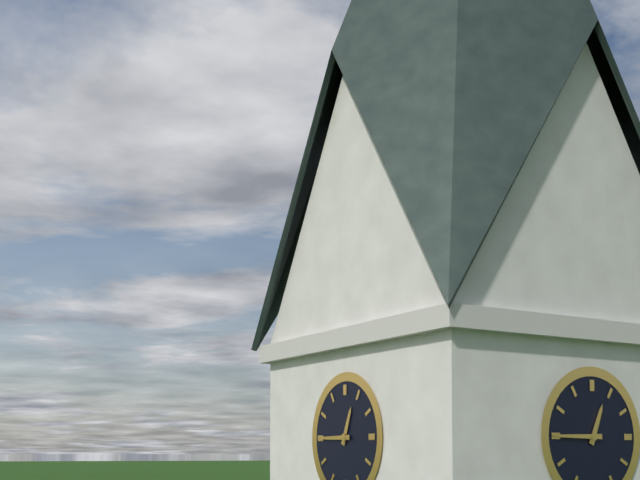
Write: 12:45
